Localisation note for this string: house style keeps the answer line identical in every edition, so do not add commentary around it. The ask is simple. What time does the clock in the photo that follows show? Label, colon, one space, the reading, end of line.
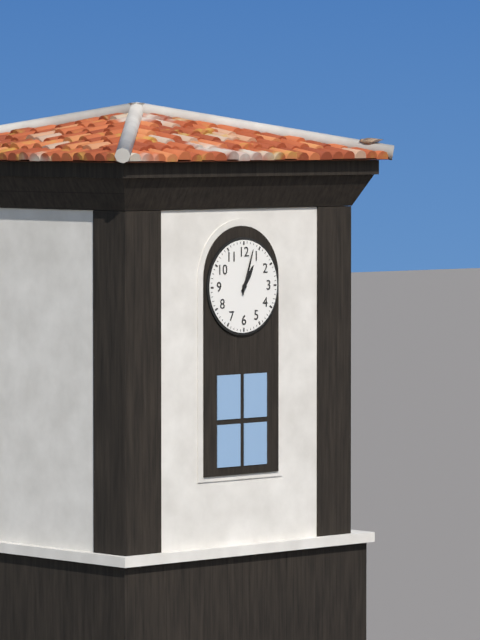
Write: 1:03
